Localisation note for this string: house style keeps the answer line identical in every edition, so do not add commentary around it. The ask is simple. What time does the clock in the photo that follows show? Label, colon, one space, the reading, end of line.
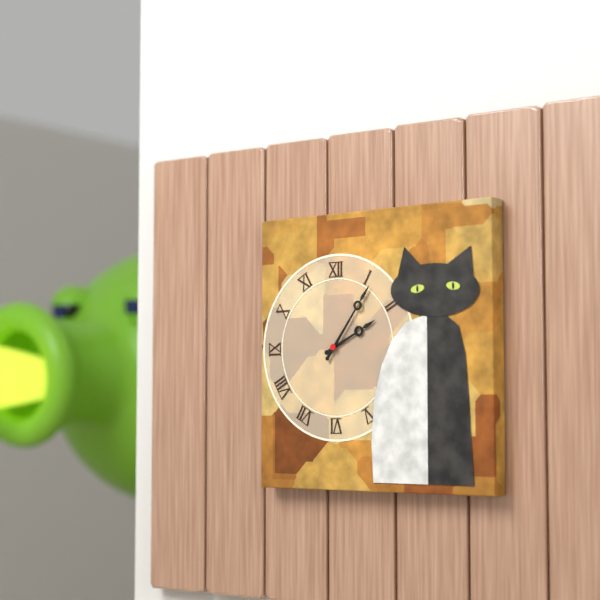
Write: 2:06
